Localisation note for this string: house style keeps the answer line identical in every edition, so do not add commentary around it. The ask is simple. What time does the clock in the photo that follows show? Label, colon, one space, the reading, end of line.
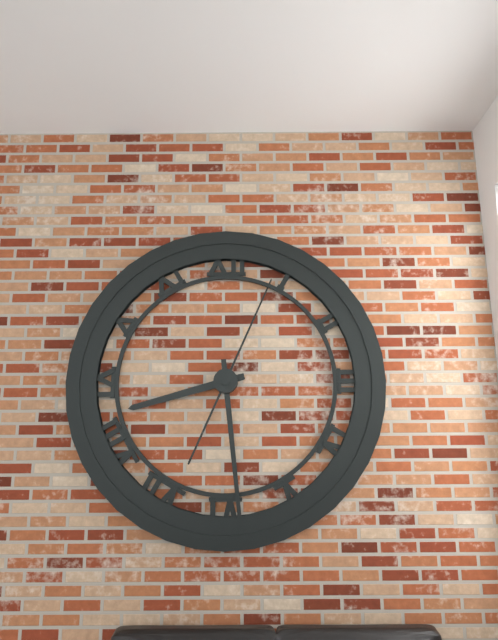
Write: 8:29:04
